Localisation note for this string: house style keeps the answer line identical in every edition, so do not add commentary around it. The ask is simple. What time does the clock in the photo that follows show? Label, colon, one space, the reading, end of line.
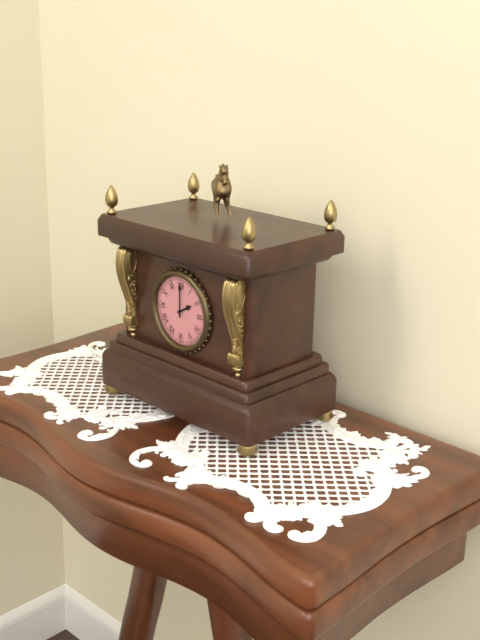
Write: 2:00
